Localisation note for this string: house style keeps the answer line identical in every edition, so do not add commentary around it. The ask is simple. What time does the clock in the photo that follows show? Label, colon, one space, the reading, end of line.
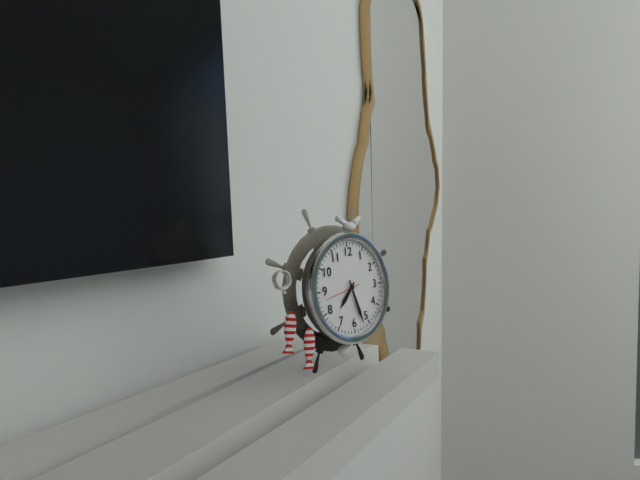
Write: 7:27
